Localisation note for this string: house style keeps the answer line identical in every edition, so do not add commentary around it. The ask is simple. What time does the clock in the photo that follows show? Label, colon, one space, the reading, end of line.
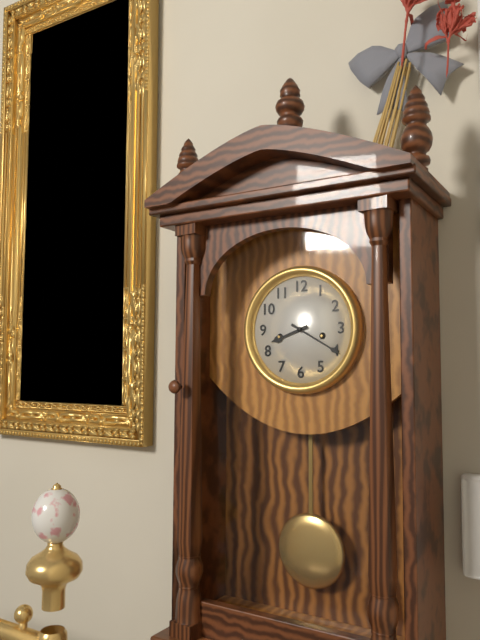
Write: 8:20
